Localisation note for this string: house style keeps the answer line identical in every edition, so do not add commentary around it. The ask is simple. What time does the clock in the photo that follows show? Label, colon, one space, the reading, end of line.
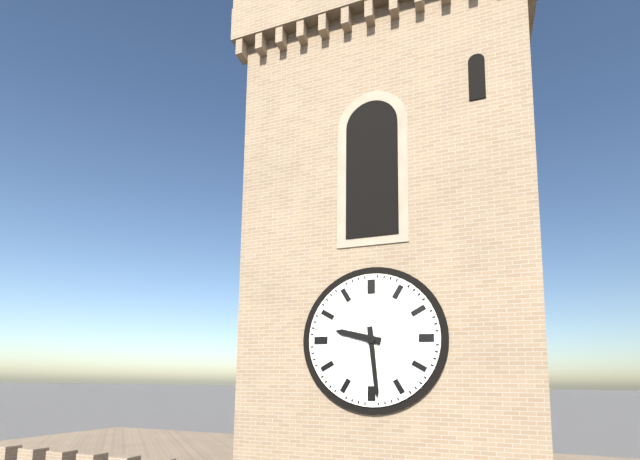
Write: 9:29
